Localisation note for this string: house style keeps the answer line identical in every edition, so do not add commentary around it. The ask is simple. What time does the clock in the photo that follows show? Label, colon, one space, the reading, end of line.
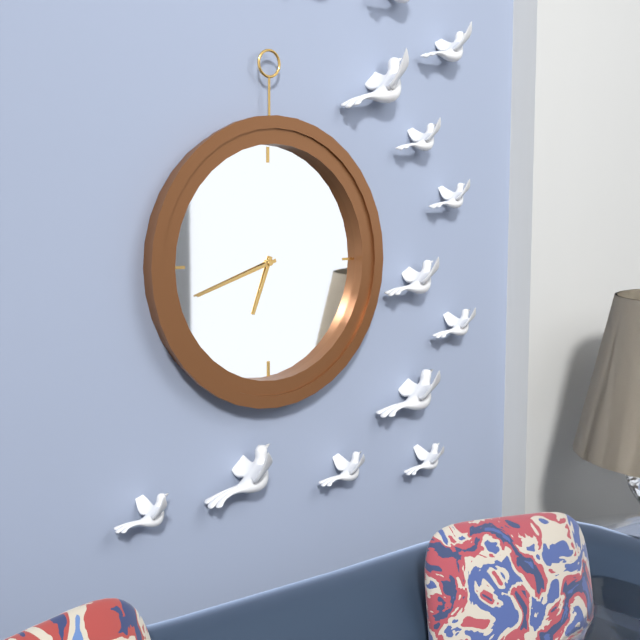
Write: 6:42
